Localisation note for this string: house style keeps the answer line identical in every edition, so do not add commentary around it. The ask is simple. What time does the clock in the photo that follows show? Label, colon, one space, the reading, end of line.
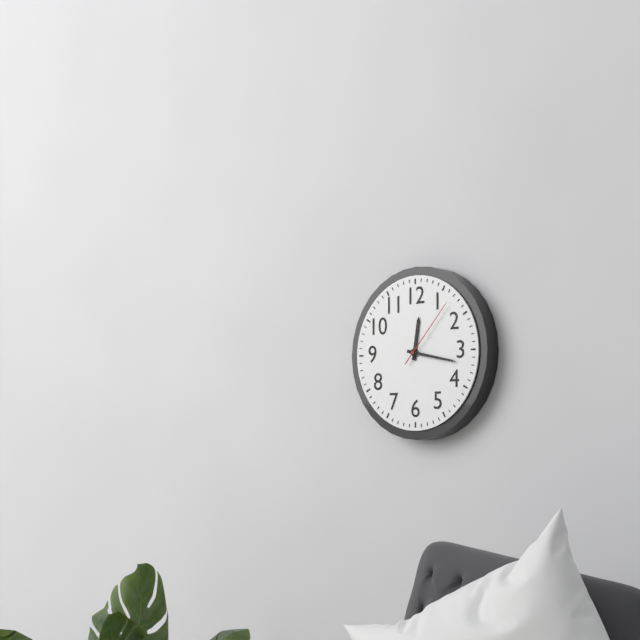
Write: 12:17:07
